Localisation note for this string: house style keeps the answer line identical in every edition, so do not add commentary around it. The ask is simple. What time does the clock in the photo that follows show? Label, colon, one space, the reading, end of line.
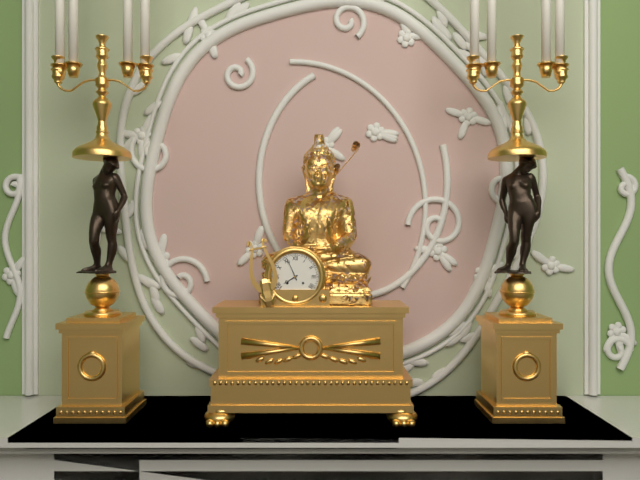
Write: 7:56
